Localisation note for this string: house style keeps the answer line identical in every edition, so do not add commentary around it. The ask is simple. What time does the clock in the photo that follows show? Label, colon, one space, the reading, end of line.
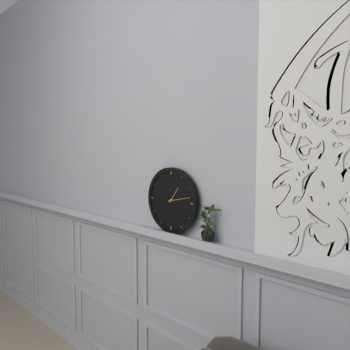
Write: 1:13
